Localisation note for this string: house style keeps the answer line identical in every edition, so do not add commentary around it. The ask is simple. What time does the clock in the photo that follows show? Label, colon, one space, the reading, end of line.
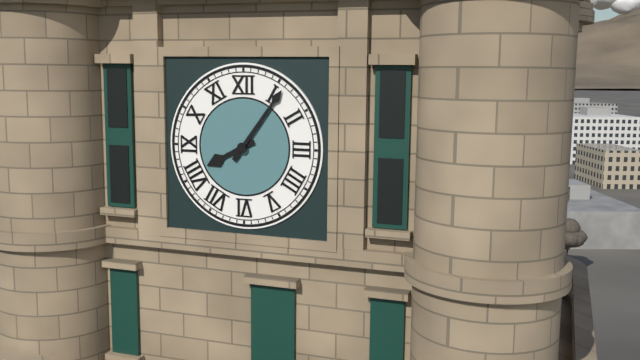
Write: 8:06
